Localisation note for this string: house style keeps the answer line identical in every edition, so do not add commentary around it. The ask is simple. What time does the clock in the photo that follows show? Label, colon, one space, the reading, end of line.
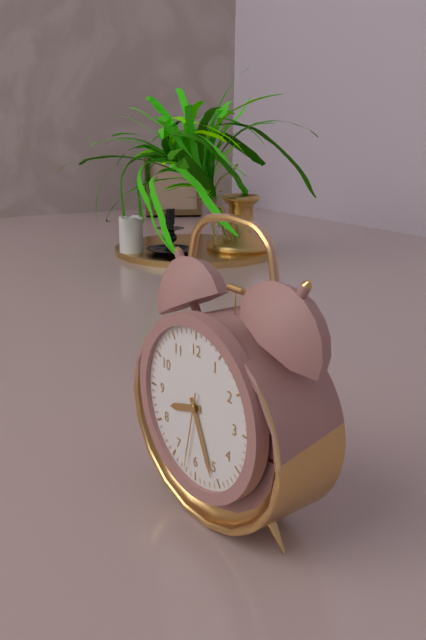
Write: 8:26:32
